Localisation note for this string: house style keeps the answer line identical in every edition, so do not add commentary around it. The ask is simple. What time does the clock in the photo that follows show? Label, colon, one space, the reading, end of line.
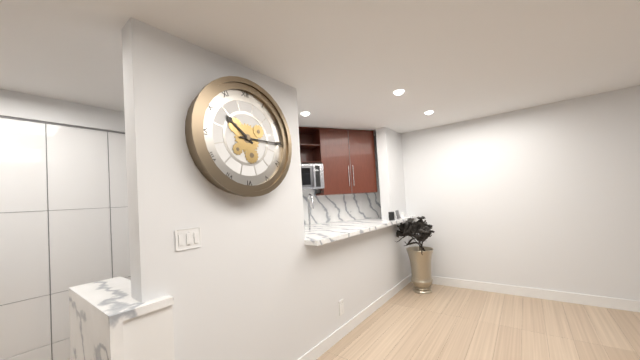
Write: 10:15
